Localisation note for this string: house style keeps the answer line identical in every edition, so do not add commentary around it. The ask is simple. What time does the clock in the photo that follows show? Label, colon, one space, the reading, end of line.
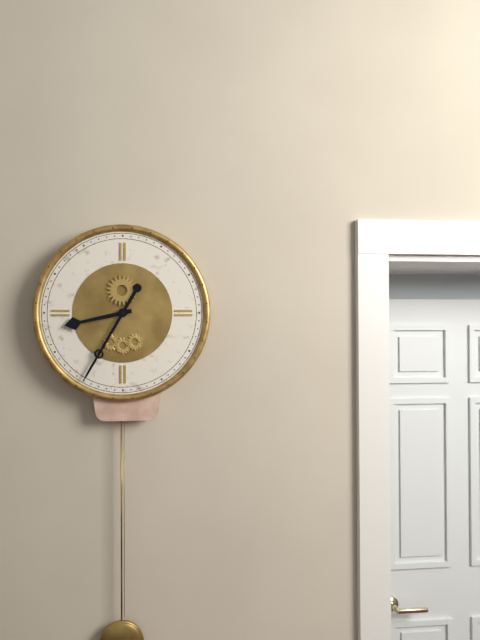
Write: 8:35
